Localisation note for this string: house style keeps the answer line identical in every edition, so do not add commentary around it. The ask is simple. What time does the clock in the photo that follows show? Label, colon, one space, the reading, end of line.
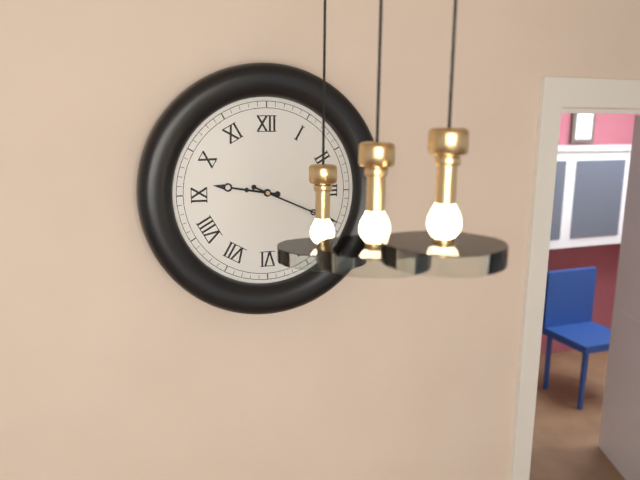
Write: 9:19
